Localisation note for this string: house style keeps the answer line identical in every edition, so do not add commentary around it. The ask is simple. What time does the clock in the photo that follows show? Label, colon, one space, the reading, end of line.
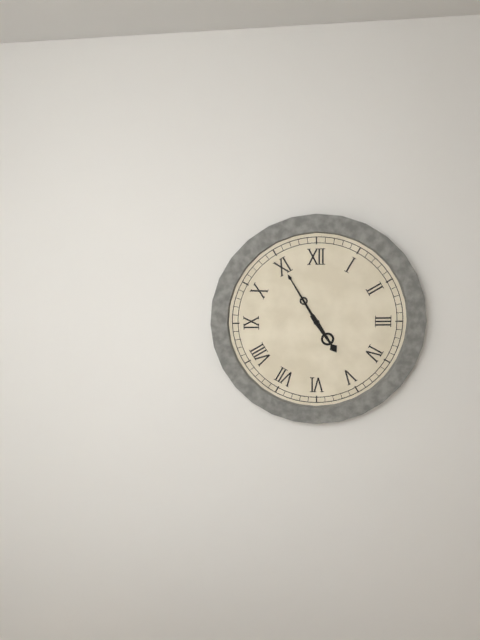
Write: 4:55
